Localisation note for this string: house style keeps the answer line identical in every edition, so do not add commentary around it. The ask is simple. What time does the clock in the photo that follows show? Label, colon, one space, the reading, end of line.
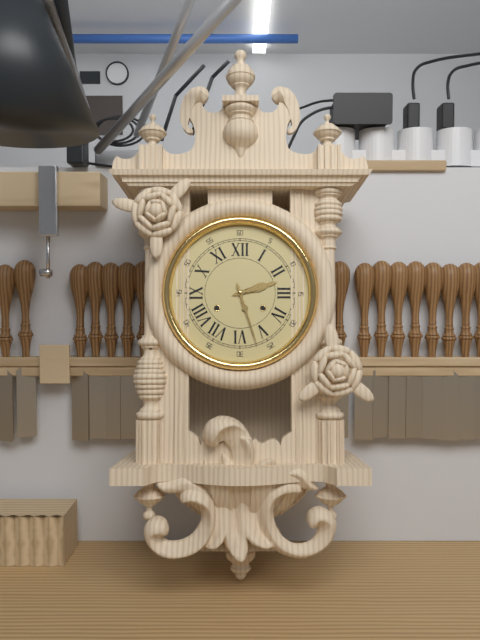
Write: 2:27
